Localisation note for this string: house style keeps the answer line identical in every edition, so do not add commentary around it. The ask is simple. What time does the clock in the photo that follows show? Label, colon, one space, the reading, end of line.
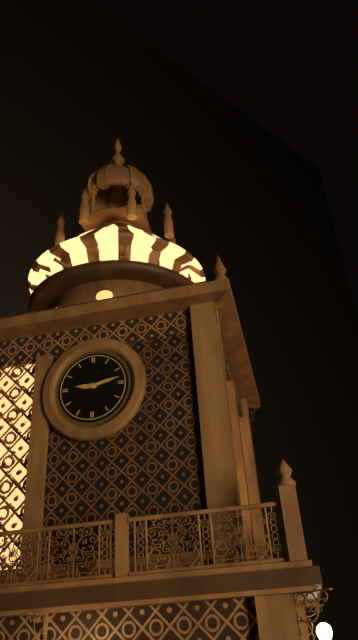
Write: 9:13
